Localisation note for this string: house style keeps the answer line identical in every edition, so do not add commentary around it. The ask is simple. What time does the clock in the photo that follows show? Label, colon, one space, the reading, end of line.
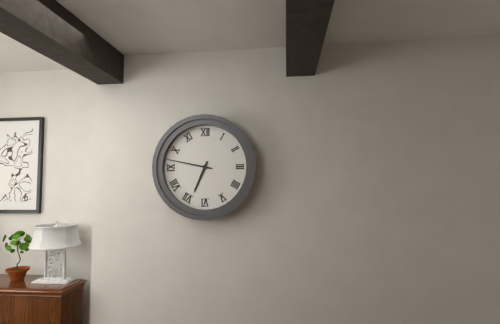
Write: 6:47
